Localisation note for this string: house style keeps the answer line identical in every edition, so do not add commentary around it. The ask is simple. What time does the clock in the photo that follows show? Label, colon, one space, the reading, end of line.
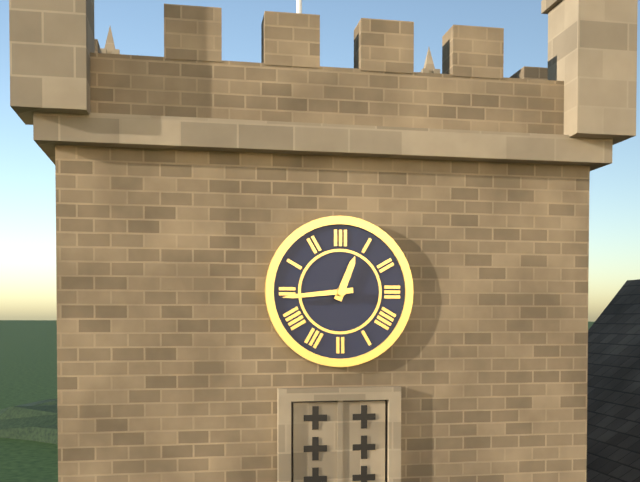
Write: 12:44
